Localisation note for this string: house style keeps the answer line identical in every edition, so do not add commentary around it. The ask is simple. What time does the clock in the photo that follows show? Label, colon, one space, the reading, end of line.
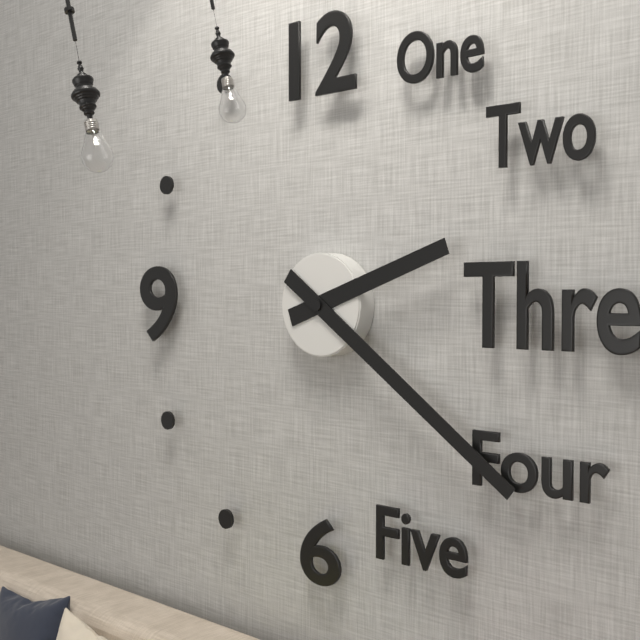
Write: 2:21
